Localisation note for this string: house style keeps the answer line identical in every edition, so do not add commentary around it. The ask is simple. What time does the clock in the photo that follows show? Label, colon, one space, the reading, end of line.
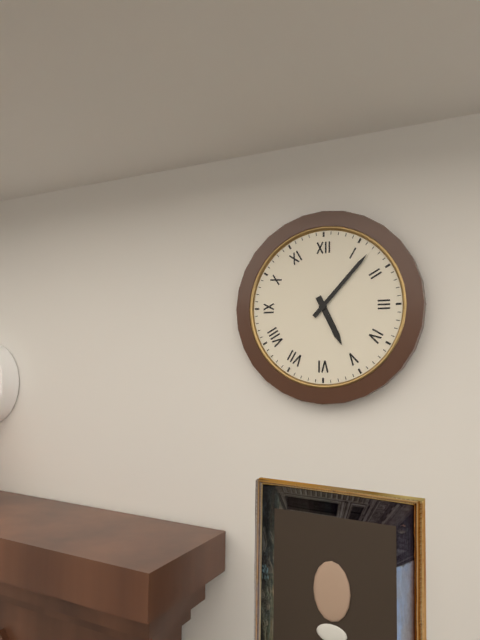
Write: 5:07
